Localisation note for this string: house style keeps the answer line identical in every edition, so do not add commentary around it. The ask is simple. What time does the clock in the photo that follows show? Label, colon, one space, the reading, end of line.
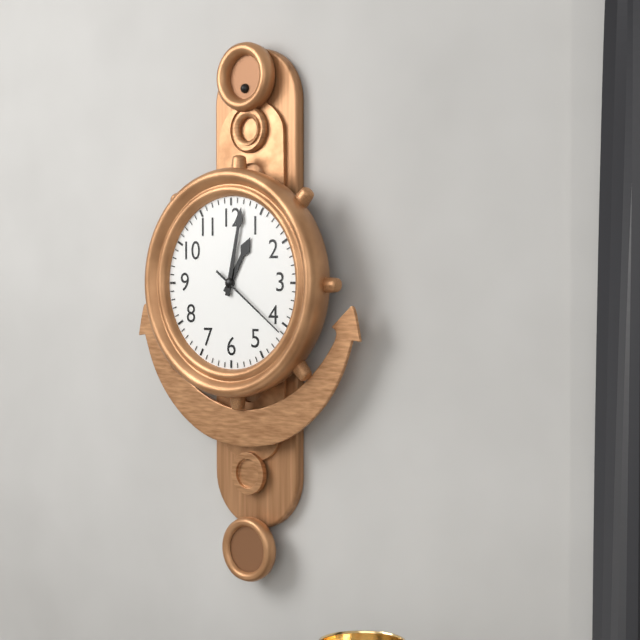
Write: 1:02:21
